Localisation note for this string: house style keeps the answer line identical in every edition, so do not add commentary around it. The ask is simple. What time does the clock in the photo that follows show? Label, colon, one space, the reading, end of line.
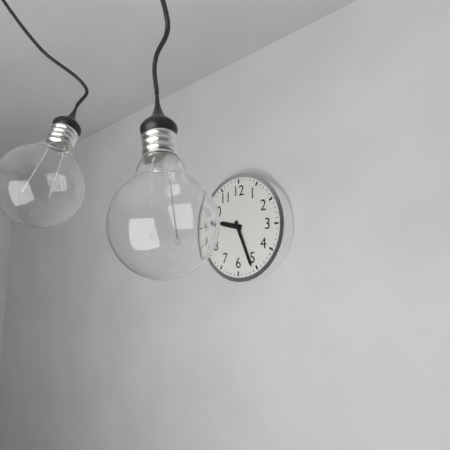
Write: 9:26
